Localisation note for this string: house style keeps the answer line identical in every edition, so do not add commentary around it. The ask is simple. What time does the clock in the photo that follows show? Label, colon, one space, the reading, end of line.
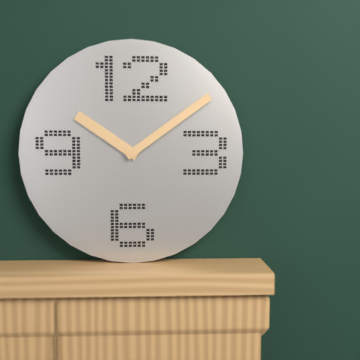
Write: 10:09
